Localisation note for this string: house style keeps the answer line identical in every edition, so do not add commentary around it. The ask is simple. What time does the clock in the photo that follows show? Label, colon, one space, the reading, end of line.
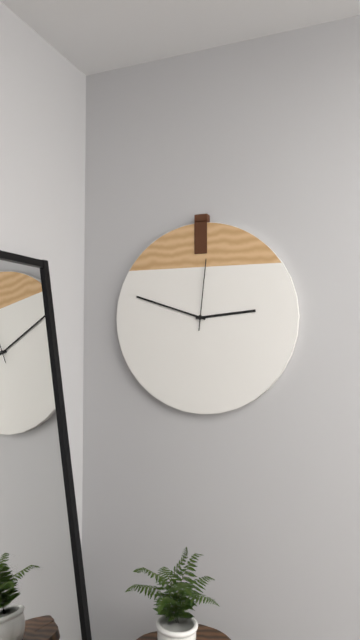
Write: 2:48:01
